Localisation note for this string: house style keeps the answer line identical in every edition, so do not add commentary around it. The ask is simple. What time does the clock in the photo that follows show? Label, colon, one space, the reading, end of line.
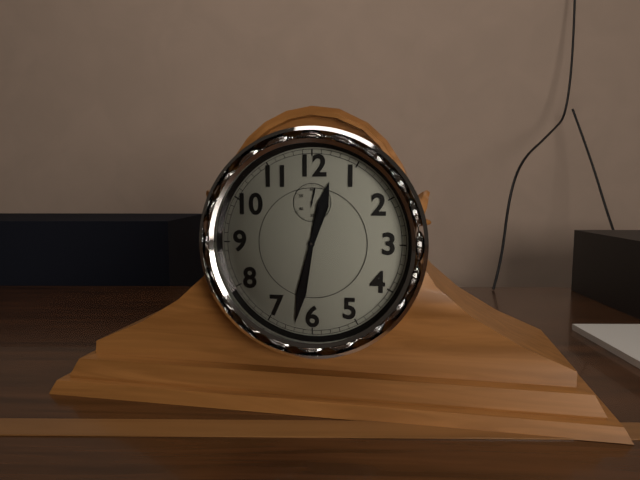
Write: 12:32
